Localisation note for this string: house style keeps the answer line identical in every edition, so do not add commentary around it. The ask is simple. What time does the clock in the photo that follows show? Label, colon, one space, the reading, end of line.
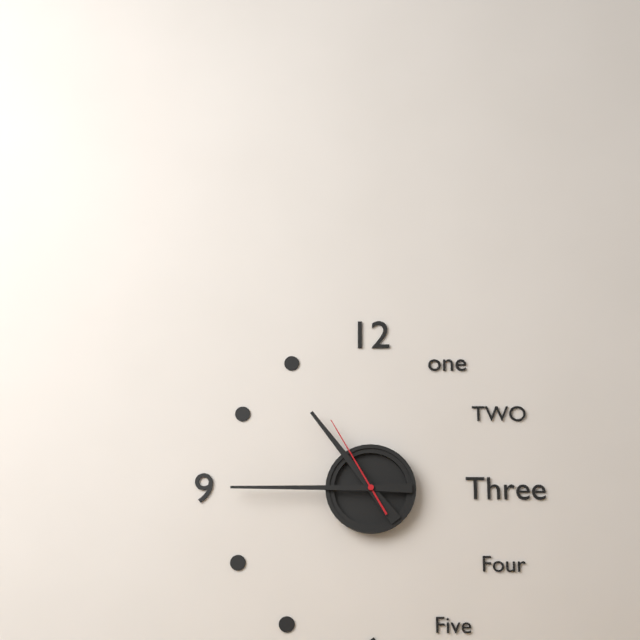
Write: 10:45:55
